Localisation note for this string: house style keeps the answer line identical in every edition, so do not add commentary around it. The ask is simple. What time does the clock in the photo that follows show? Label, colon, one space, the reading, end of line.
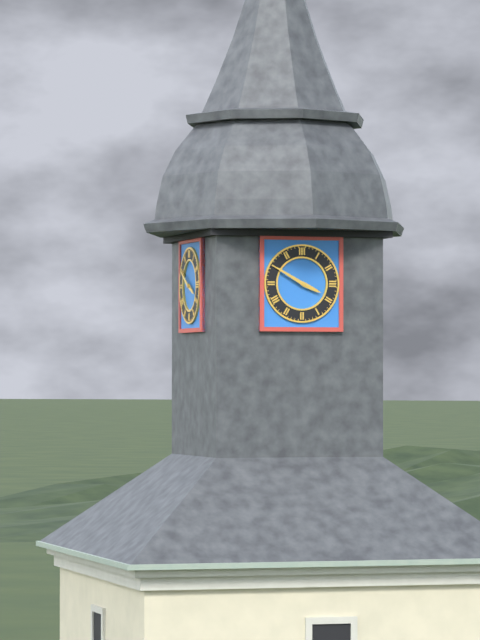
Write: 3:50
